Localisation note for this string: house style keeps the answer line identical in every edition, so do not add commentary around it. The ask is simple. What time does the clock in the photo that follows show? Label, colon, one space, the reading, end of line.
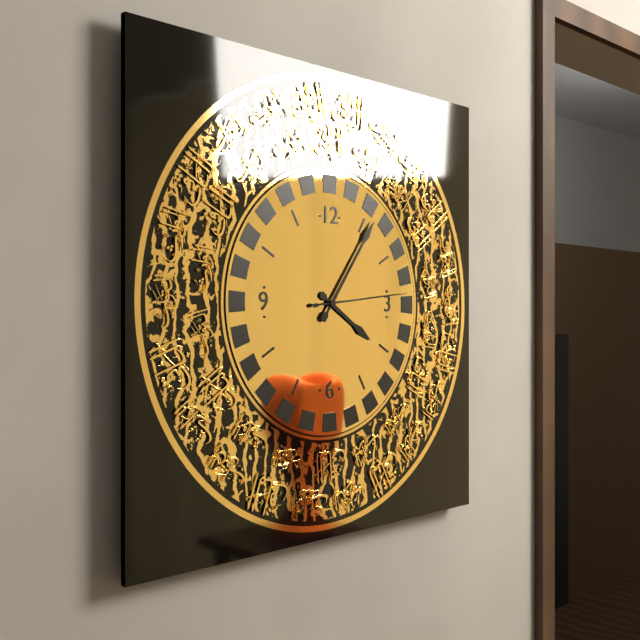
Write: 4:06:14
